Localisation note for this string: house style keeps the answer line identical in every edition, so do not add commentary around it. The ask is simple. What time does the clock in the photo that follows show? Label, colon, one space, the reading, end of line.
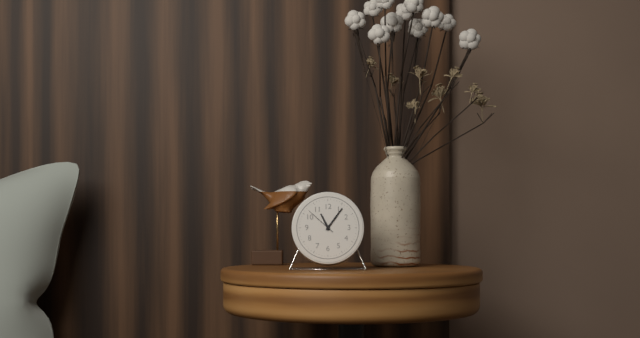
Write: 11:06
